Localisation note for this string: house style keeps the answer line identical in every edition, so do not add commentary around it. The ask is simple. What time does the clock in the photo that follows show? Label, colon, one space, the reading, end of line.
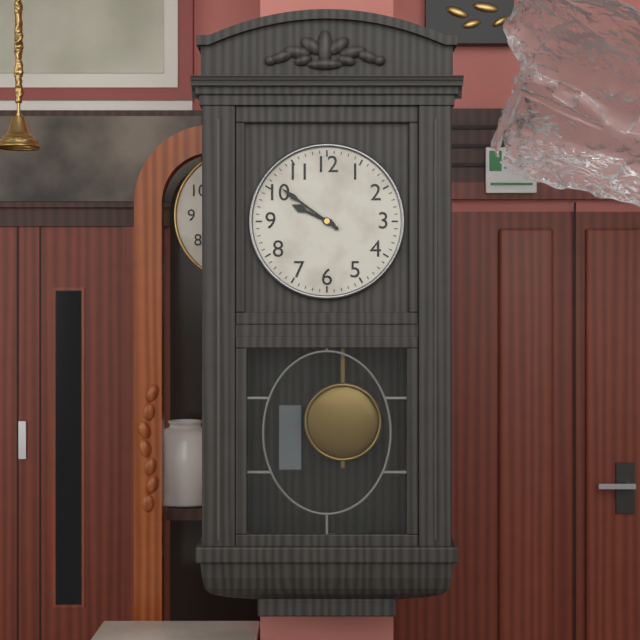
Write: 9:51
